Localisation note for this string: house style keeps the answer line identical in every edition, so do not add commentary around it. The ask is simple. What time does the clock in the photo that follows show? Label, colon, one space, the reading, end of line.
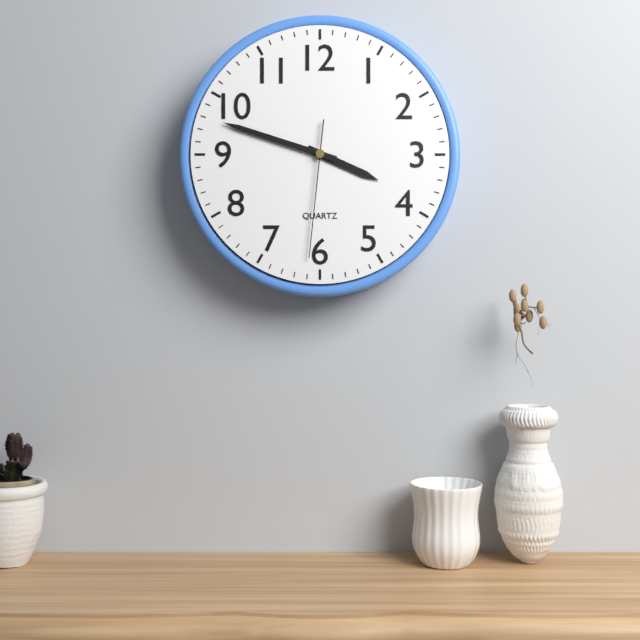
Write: 3:48:31
